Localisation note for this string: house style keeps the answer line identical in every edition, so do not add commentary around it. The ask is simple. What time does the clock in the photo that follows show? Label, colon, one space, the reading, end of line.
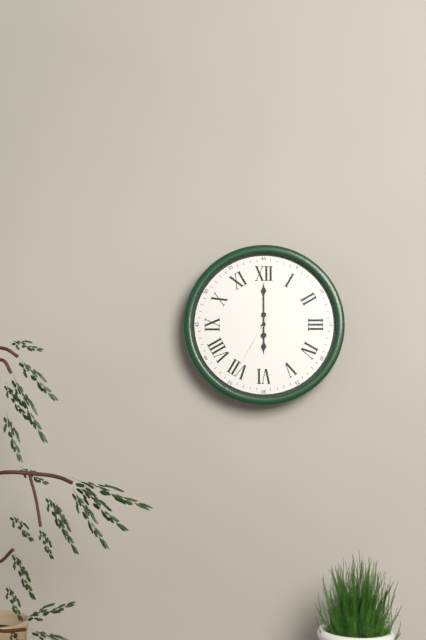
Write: 6:00:35
